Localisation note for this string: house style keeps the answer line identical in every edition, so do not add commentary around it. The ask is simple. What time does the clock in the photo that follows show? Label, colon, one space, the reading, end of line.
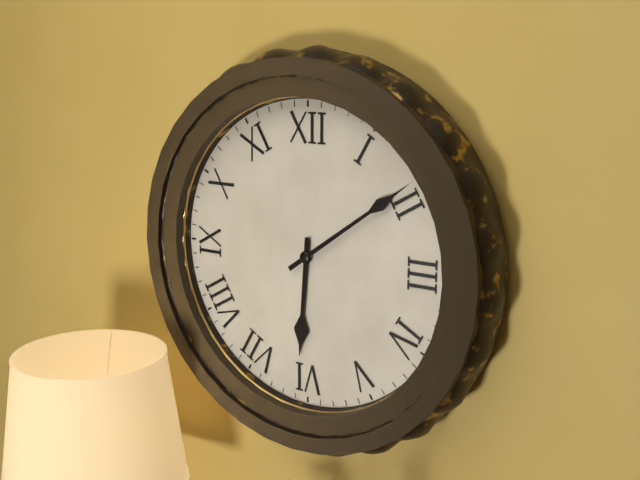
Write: 6:09
